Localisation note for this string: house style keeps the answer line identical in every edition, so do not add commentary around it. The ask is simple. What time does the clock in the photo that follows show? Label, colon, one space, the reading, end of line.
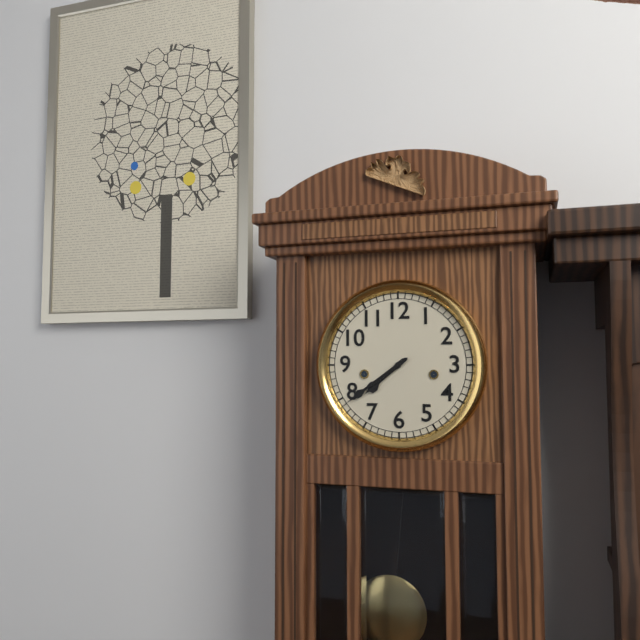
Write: 7:39
